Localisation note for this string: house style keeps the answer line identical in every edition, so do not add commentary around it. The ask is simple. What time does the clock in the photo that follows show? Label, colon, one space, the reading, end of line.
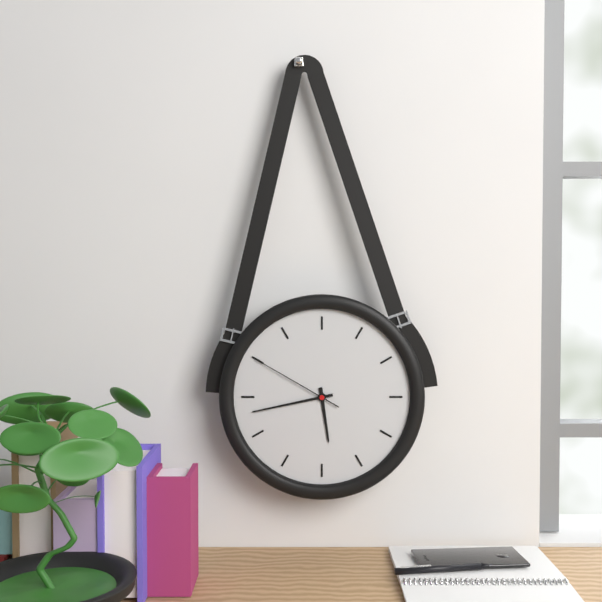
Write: 5:43:50
